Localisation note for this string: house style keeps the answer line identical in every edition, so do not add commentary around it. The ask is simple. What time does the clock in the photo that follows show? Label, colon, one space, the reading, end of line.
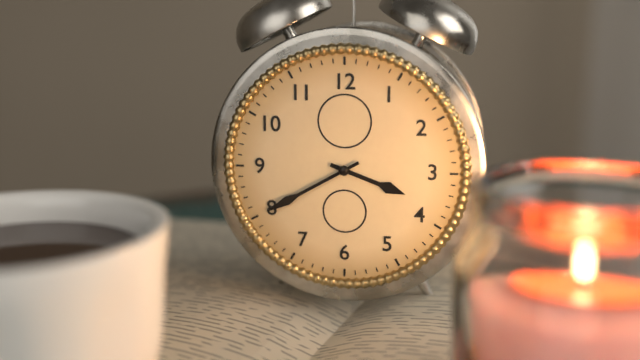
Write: 3:40
